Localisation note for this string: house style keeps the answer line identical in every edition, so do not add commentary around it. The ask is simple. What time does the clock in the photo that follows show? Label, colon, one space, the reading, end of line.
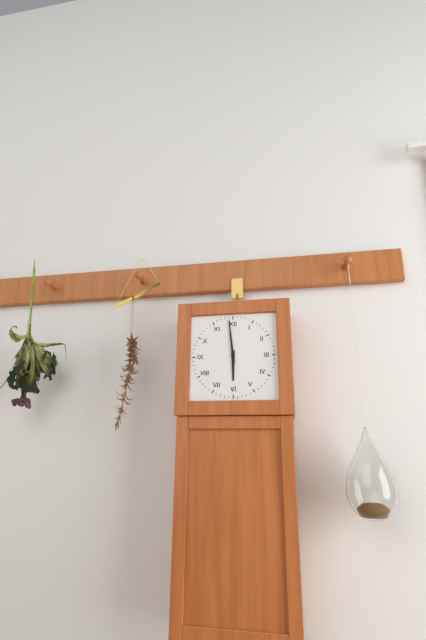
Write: 5:59
